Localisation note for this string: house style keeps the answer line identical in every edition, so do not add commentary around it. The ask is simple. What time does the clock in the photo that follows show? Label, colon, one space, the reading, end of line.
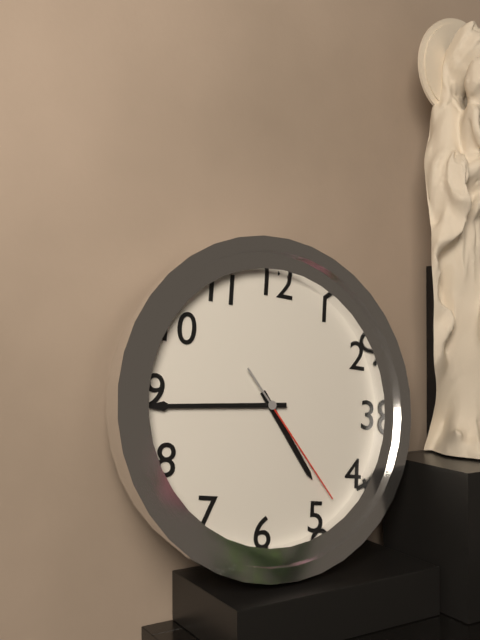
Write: 4:44:23
